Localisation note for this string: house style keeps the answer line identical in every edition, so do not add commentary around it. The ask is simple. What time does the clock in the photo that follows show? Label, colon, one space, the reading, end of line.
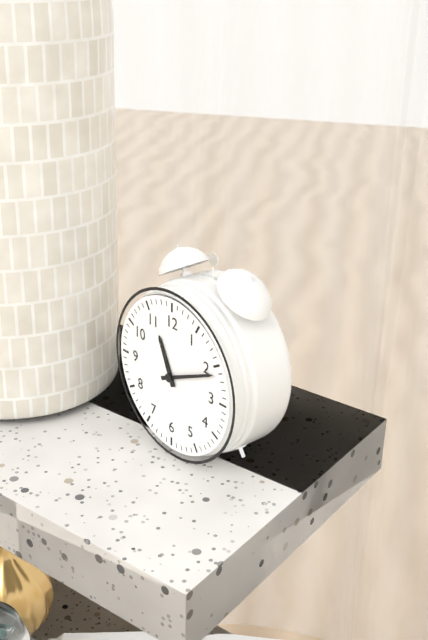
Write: 11:11
